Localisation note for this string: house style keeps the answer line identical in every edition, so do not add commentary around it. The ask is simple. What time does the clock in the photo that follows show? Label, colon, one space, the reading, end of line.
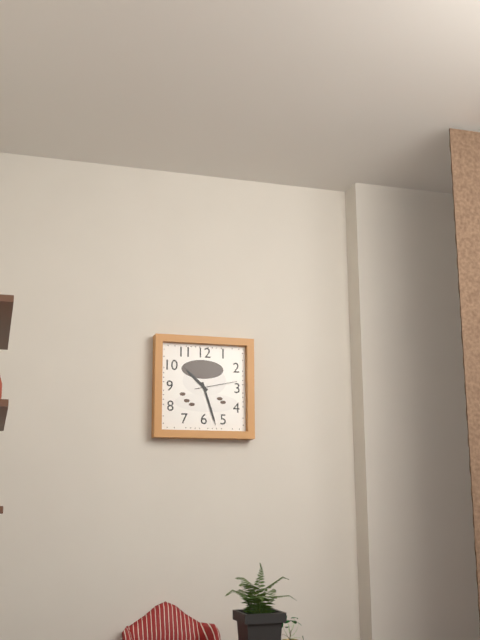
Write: 10:27
